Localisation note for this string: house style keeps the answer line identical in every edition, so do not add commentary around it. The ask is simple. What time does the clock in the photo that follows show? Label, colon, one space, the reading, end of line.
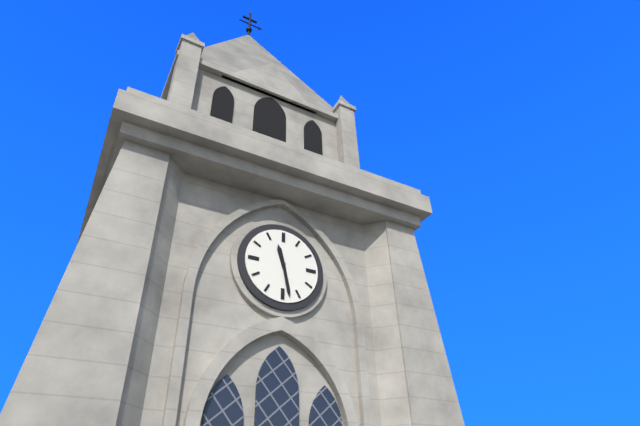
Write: 11:28
